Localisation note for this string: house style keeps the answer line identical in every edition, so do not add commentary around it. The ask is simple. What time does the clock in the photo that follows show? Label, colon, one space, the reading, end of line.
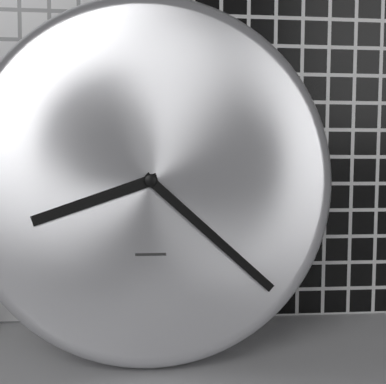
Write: 8:22
